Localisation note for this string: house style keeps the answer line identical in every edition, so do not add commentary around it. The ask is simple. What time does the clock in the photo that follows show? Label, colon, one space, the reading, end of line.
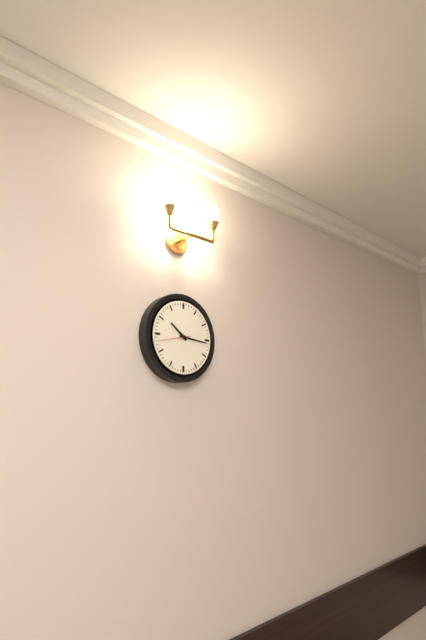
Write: 10:16
